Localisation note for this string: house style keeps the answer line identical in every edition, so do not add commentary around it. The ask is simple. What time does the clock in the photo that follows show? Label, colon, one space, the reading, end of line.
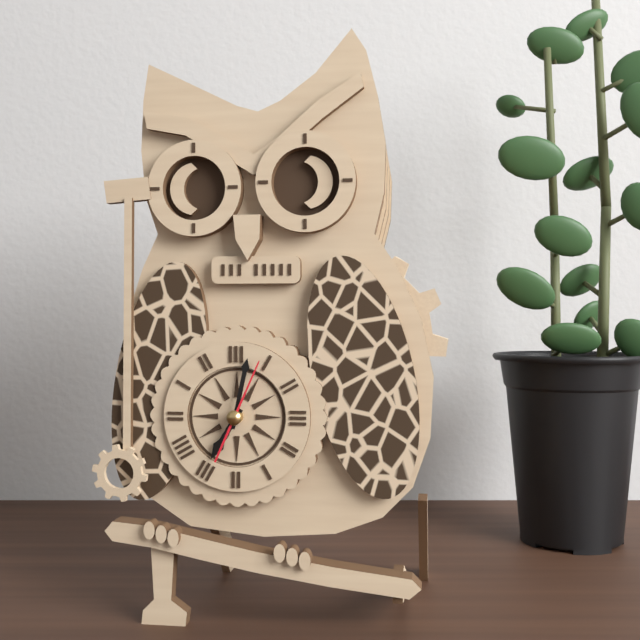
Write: 7:02:04
